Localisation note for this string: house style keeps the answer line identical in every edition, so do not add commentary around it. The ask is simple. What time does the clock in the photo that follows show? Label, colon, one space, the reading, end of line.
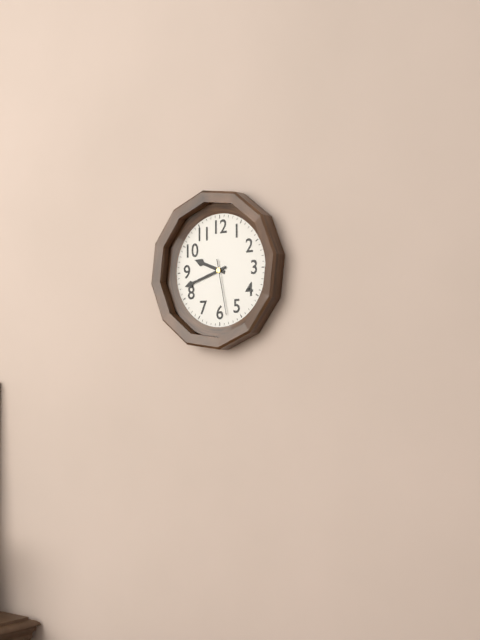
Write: 9:42:28
